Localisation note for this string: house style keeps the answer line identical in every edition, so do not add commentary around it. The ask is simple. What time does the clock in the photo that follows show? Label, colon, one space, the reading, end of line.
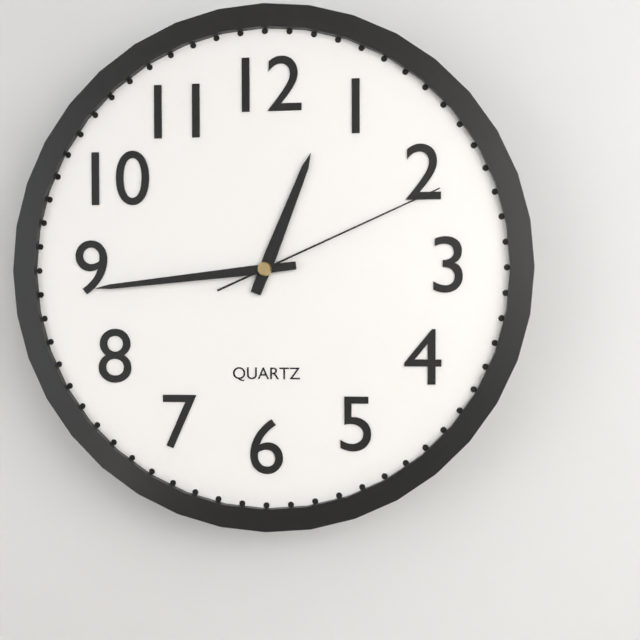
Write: 12:44:11
